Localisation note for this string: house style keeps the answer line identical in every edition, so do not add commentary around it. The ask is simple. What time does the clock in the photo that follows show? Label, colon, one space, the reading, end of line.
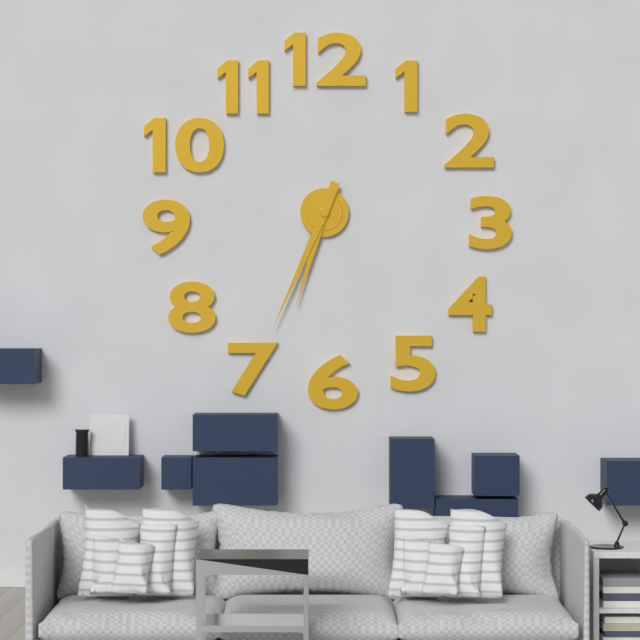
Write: 6:34
